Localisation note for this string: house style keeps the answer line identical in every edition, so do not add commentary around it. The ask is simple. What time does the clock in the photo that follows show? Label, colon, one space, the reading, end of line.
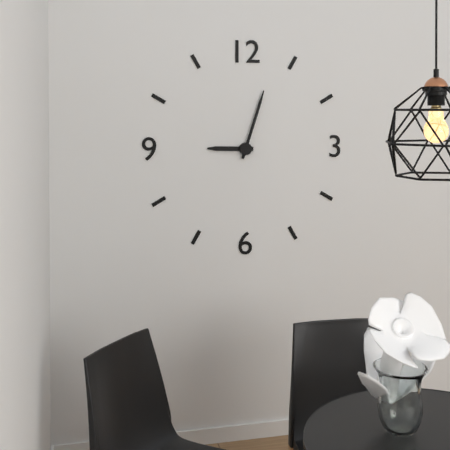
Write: 9:03
